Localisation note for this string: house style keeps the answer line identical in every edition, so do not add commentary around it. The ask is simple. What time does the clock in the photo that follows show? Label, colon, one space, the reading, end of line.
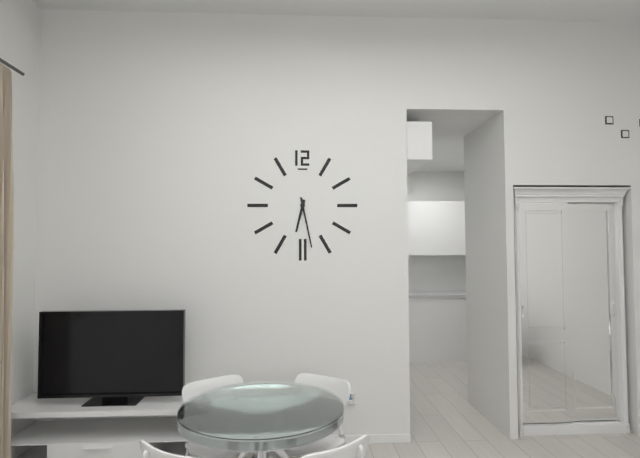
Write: 6:28
